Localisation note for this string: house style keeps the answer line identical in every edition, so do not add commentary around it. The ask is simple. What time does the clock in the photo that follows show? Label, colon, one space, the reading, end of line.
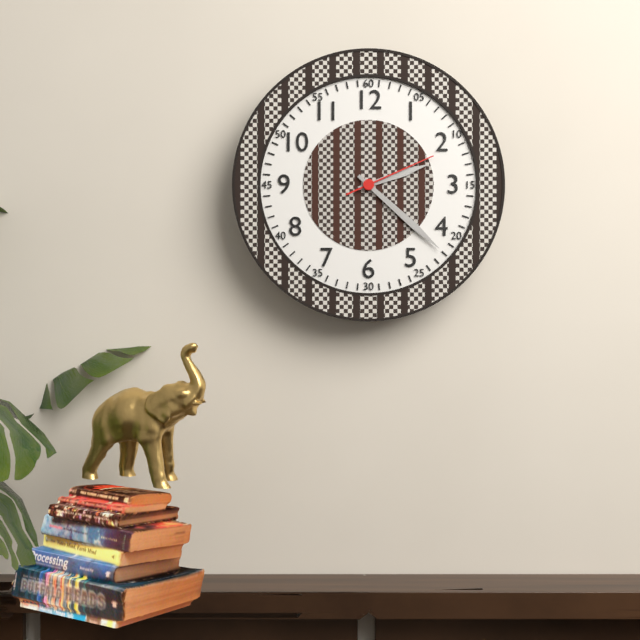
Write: 2:22:11
